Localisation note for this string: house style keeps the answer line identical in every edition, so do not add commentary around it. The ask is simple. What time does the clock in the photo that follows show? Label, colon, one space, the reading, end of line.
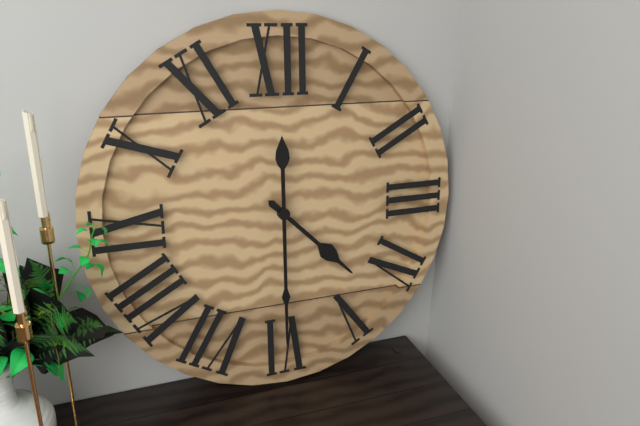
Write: 4:30
